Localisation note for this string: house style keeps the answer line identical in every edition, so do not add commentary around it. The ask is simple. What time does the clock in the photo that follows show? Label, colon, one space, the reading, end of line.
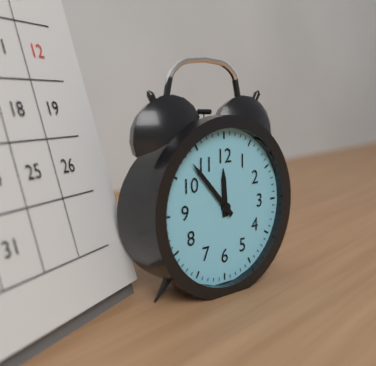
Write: 11:53
